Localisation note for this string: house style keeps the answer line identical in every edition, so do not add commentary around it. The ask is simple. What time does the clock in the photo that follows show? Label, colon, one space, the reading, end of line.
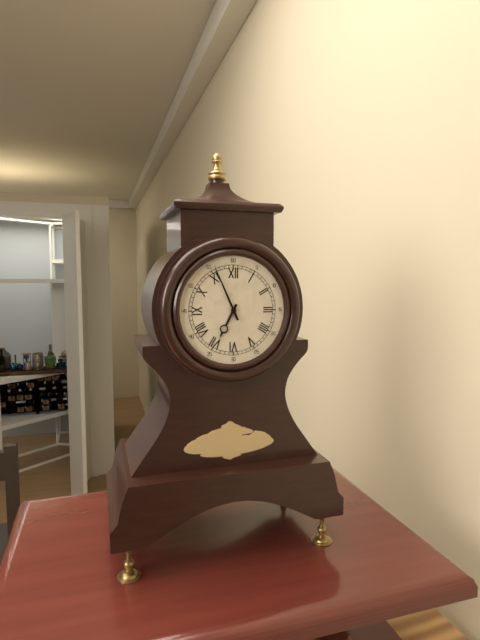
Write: 6:56
